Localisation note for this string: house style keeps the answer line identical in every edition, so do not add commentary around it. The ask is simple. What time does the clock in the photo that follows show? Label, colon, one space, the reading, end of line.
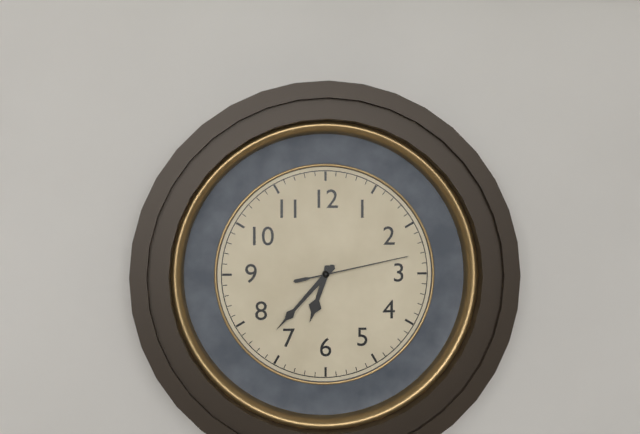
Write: 6:37:13
